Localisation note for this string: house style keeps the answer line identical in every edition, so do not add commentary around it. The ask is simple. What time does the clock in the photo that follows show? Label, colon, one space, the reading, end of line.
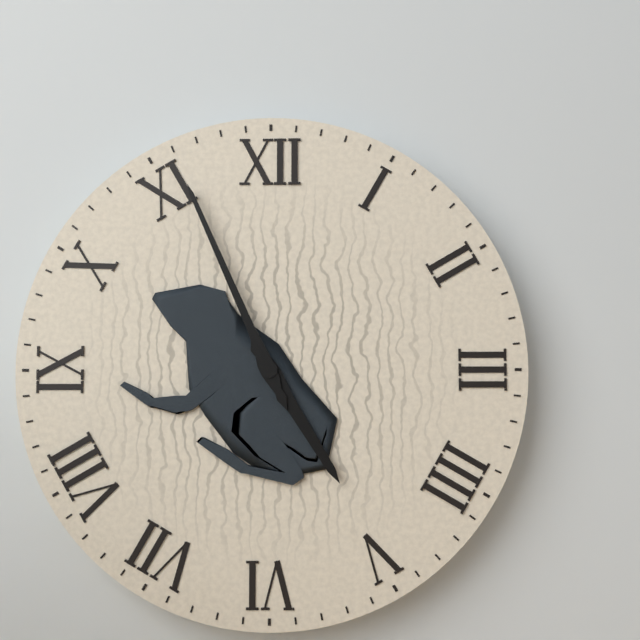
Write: 4:56
